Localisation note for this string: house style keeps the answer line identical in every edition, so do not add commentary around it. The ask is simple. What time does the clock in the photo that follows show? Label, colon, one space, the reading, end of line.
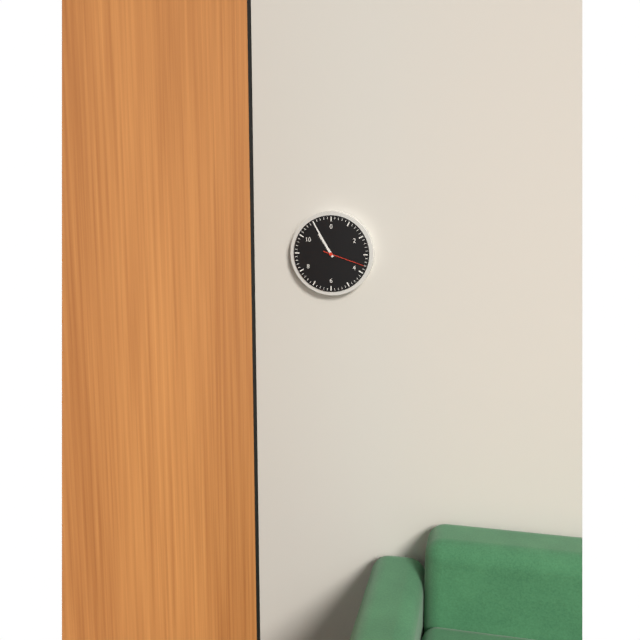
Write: 10:55
